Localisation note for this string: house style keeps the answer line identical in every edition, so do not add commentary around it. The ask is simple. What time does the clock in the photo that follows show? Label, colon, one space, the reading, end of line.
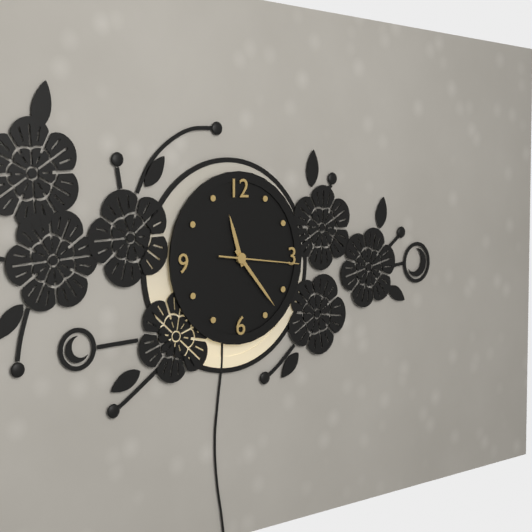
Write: 11:23:16
